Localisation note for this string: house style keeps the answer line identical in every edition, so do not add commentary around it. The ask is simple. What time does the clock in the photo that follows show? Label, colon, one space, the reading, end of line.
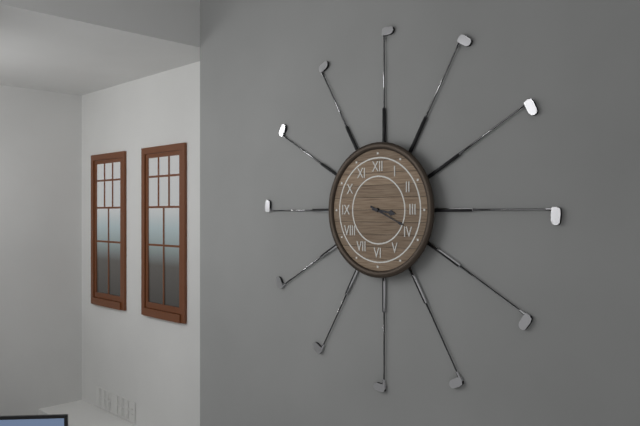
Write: 3:19
